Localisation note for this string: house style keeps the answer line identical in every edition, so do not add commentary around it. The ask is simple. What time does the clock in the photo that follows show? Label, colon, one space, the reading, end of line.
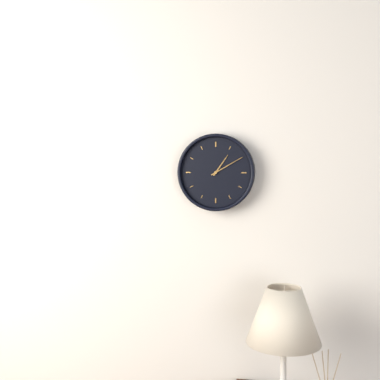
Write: 1:10
